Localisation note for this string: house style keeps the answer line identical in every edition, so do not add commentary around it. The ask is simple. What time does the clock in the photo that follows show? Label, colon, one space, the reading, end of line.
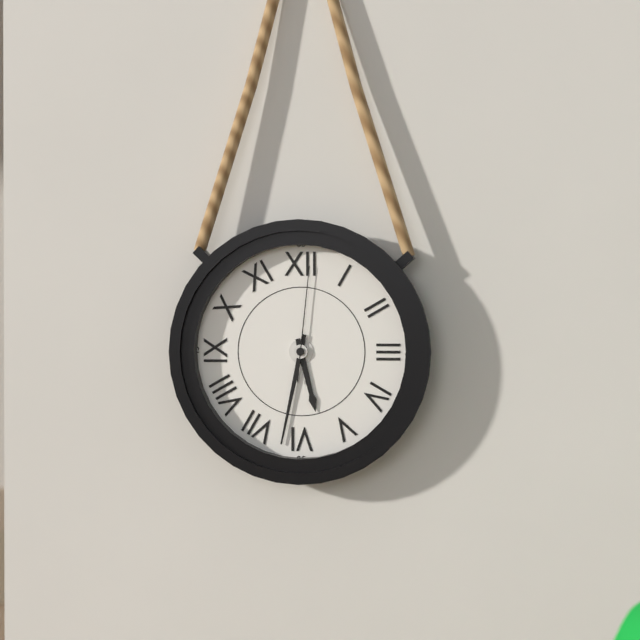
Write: 5:32:01
